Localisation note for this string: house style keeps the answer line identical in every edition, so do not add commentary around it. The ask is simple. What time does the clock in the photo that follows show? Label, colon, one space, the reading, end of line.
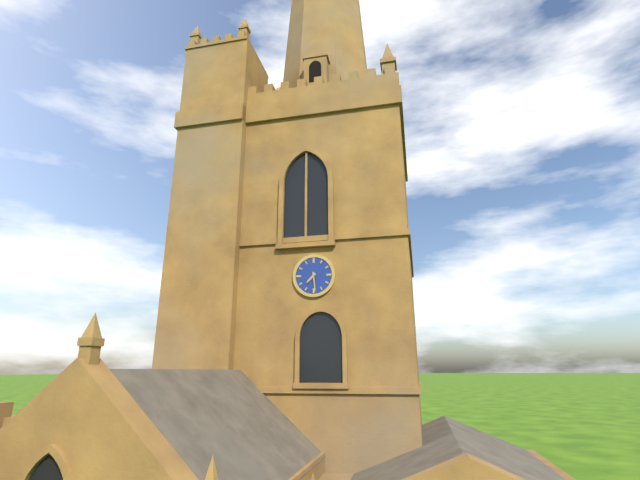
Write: 7:29
